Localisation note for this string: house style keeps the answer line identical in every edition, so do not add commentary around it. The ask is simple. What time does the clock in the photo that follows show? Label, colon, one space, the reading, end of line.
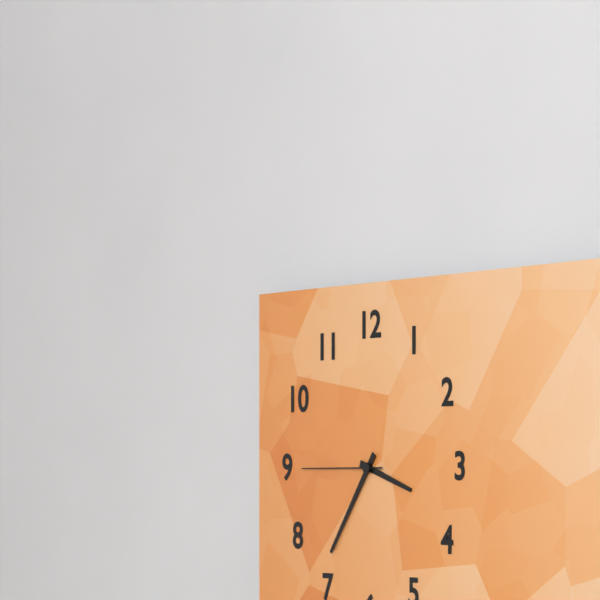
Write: 3:36:45
